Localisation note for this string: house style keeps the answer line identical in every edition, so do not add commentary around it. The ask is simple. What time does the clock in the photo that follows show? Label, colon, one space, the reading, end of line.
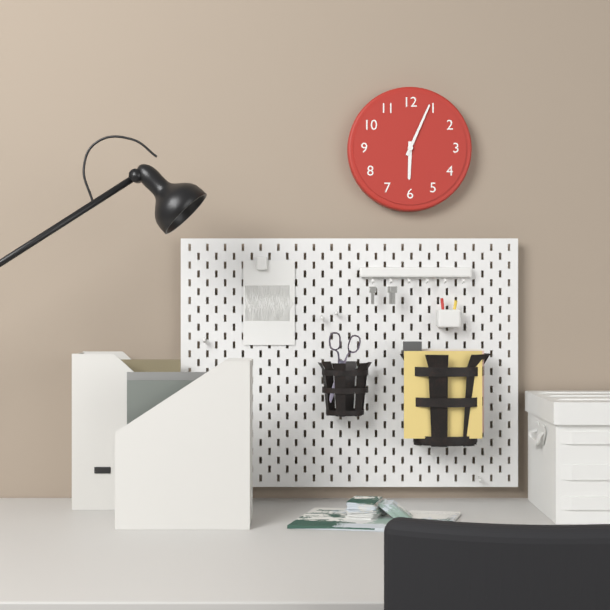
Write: 6:04
